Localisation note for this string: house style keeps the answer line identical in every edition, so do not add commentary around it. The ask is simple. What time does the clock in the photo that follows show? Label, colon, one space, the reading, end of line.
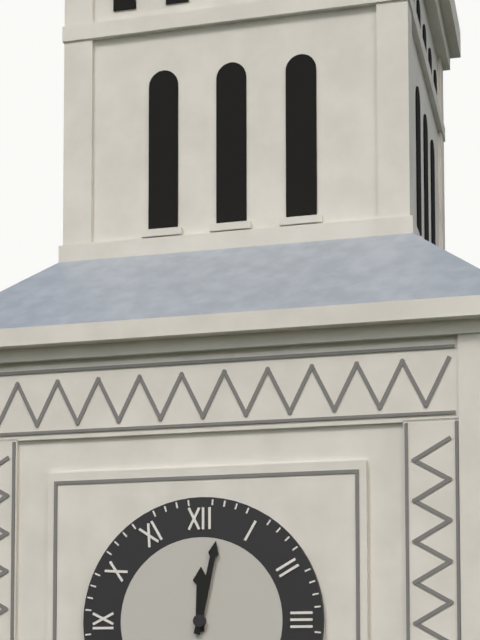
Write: 12:02
